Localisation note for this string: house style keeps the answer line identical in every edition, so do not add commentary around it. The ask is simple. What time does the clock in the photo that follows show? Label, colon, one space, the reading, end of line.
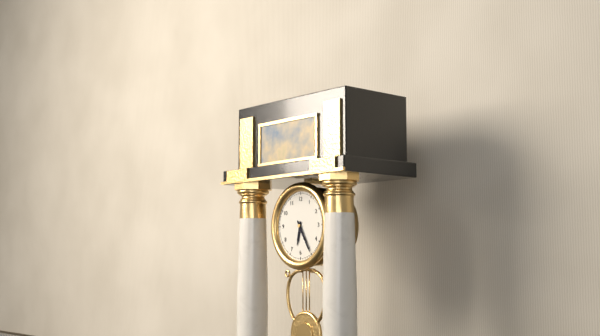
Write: 6:25
